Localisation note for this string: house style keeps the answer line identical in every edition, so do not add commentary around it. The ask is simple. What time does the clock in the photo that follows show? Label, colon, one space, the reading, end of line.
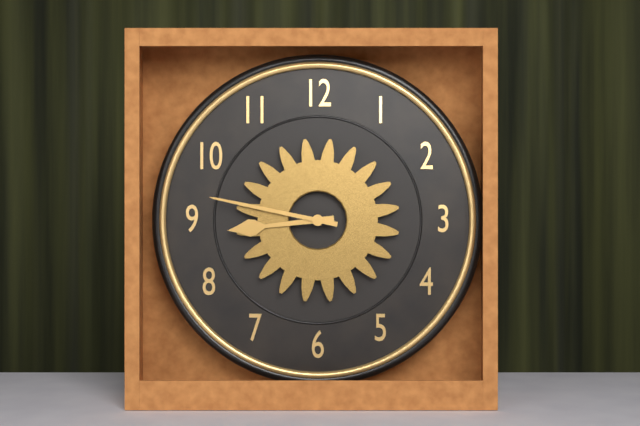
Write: 8:47
